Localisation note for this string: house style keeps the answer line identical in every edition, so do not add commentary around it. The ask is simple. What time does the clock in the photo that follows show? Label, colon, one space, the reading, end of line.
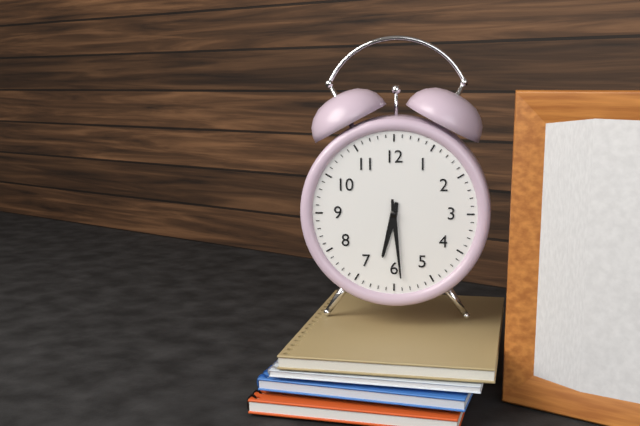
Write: 6:29
